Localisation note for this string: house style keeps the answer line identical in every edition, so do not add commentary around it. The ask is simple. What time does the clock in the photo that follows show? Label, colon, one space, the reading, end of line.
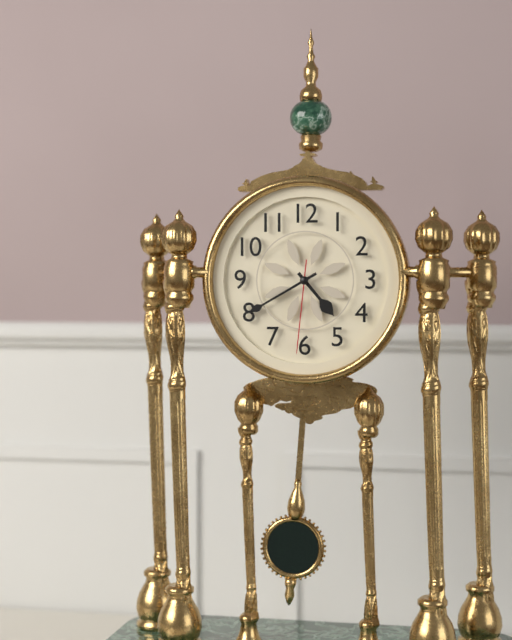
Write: 4:40:31
